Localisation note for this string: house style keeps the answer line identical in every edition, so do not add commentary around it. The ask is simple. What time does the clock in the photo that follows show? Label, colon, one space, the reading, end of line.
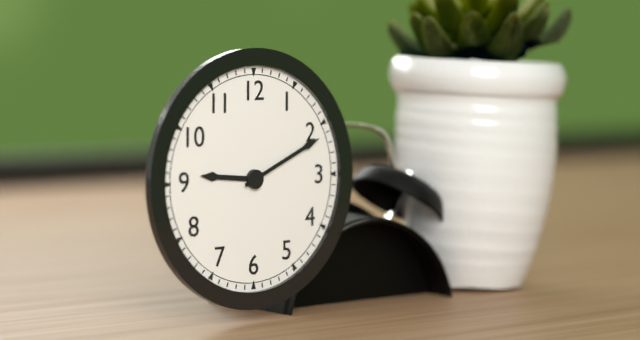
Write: 9:11
